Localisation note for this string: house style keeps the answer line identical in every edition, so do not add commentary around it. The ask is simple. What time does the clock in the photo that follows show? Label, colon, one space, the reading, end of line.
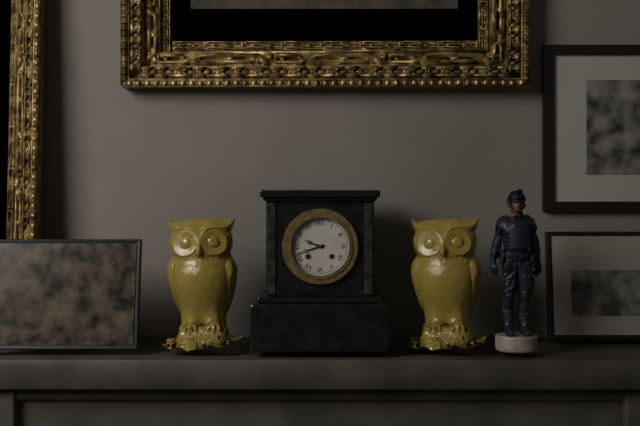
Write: 9:42
